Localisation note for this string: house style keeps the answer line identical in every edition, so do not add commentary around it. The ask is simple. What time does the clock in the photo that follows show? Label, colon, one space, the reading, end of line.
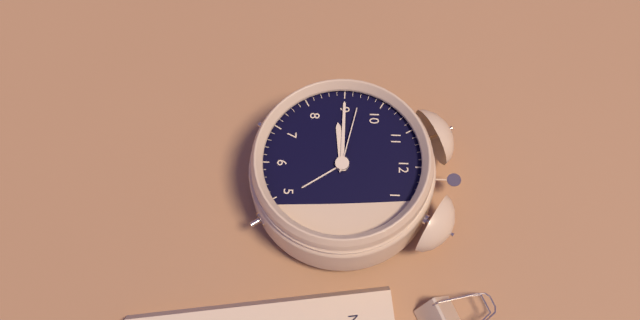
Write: 8:45:47
